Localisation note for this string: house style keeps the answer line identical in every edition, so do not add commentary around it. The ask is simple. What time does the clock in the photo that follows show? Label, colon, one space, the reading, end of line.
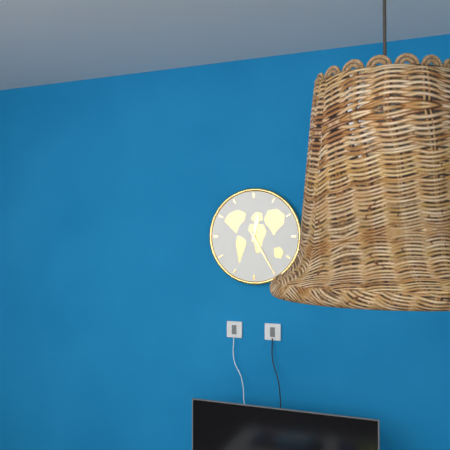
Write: 12:25
